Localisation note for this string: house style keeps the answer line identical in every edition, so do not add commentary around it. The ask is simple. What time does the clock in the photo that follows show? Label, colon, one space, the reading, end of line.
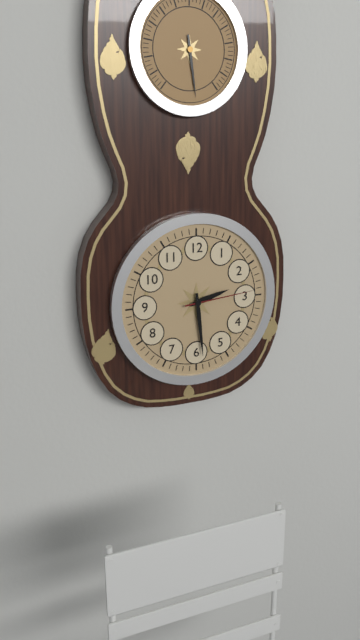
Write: 2:29:14
